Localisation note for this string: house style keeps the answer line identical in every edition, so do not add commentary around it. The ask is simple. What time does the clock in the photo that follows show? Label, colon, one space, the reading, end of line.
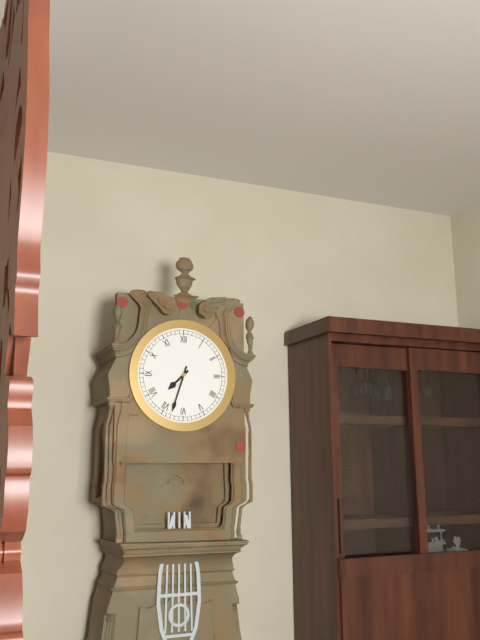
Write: 7:33
